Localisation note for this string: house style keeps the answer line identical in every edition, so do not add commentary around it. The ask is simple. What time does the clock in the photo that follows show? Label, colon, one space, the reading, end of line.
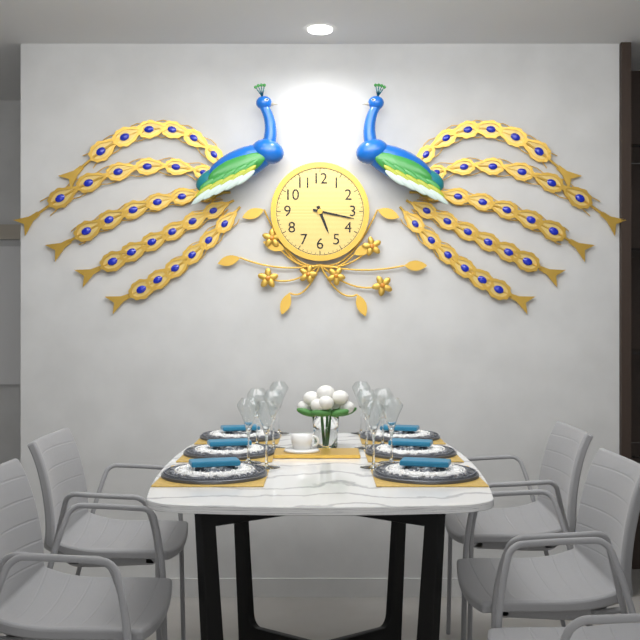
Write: 5:17
